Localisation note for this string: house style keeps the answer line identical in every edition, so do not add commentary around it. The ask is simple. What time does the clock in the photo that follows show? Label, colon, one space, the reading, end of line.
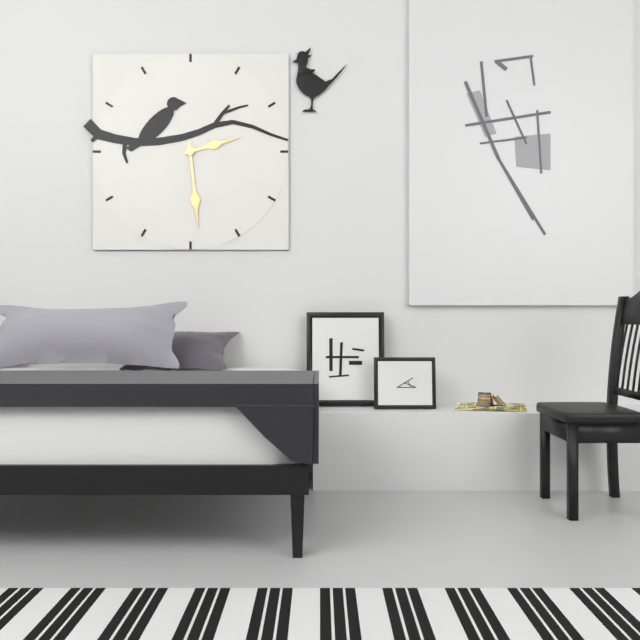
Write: 2:29
